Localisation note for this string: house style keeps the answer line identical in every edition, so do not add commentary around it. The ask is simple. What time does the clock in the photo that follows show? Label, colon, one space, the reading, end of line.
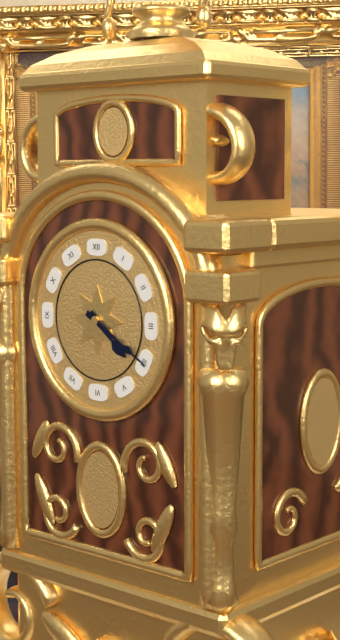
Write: 4:20
